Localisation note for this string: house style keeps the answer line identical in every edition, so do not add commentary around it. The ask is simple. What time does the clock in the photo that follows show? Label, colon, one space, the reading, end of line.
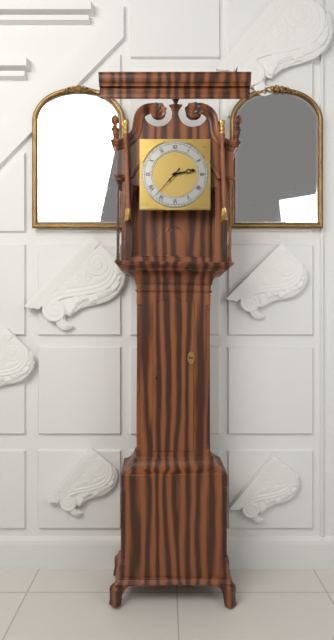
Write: 2:37
